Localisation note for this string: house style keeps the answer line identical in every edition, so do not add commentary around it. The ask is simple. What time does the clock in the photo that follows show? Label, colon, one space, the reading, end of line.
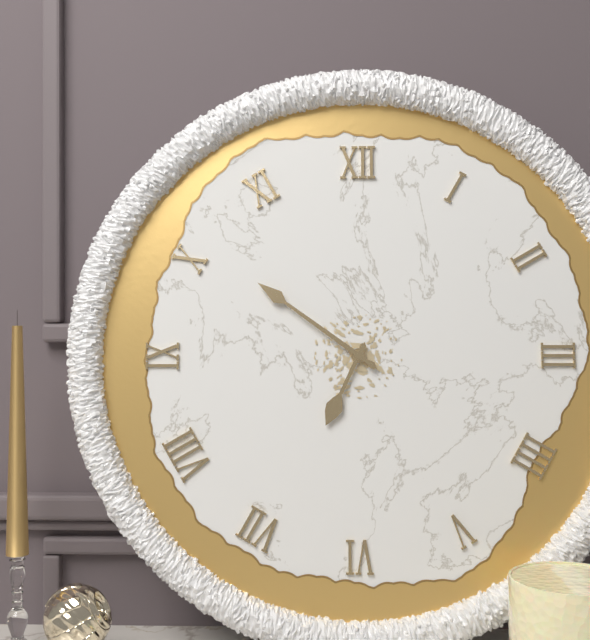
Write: 6:51
